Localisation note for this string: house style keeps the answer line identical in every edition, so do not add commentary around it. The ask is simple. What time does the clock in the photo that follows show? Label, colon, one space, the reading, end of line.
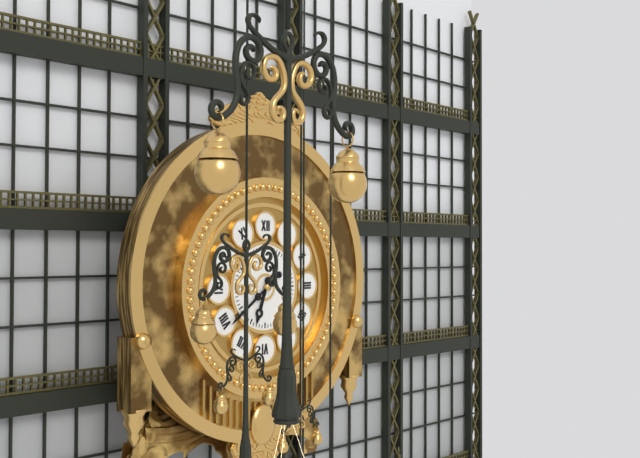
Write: 6:39
